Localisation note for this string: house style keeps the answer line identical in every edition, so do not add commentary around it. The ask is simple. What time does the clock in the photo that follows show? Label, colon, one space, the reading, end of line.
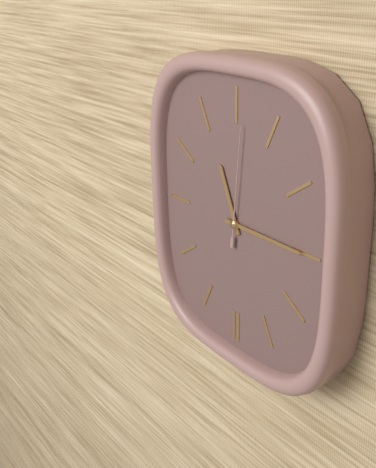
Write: 11:15:01
